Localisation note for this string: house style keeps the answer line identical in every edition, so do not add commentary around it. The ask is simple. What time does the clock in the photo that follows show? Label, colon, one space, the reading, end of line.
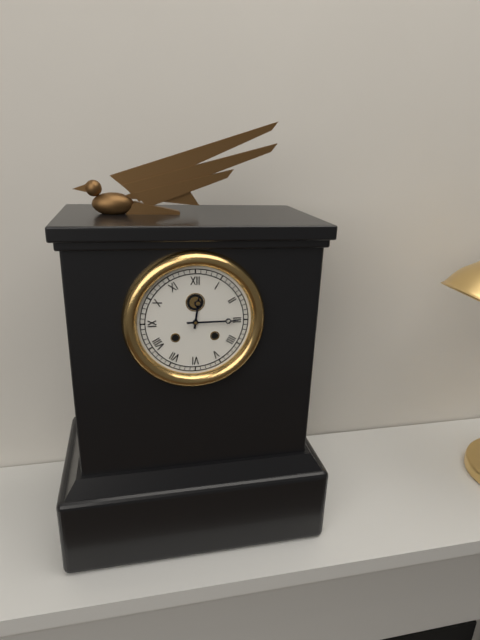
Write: 12:15
